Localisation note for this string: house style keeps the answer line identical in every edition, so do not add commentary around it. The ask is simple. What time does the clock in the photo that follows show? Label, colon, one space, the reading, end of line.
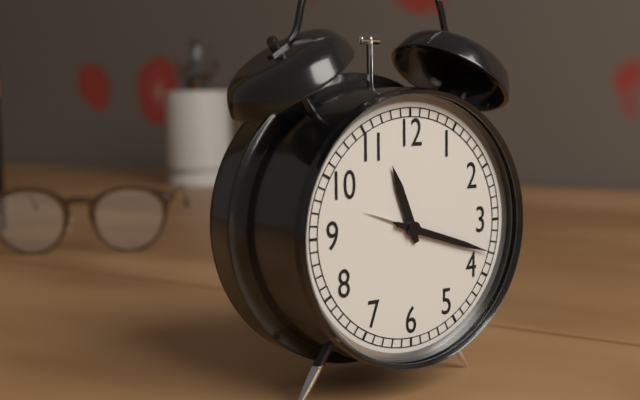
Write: 11:18
